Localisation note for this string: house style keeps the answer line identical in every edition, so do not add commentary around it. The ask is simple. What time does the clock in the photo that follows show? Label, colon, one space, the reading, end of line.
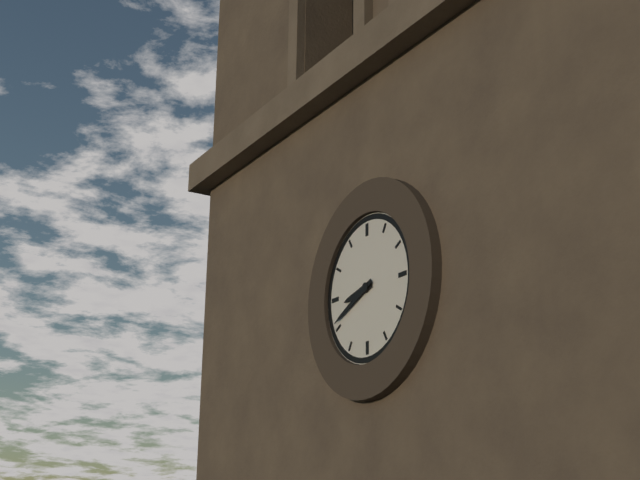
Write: 8:41
